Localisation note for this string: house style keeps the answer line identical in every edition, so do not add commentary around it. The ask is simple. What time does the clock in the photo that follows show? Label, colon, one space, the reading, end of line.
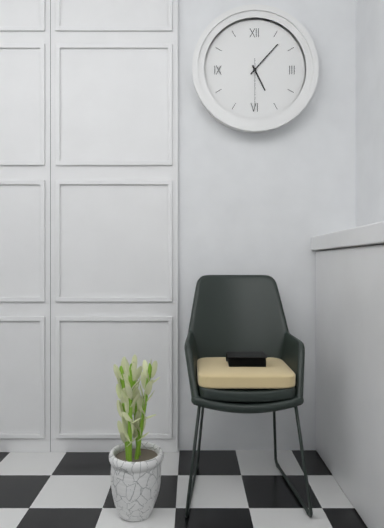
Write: 5:07
